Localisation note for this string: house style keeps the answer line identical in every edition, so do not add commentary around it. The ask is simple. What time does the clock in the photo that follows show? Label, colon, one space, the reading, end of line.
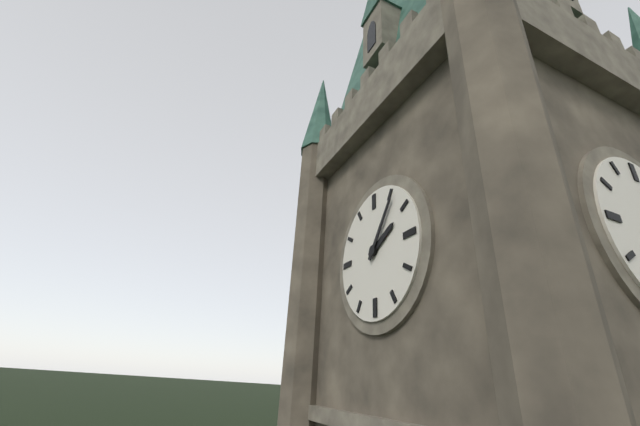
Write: 2:06
